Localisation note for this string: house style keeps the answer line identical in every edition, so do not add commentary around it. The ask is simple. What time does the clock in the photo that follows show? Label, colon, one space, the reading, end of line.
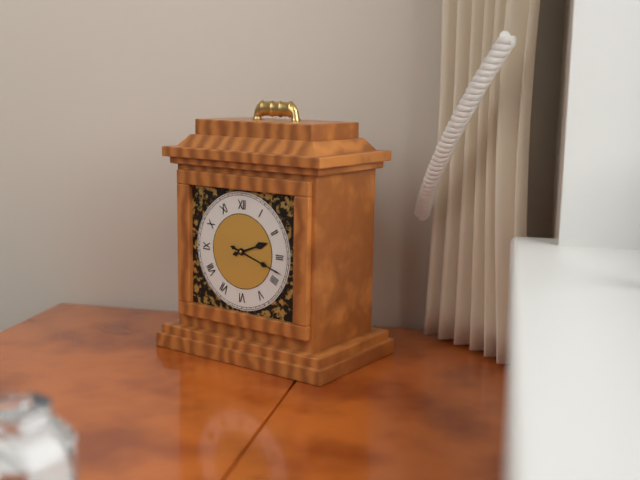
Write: 2:18
